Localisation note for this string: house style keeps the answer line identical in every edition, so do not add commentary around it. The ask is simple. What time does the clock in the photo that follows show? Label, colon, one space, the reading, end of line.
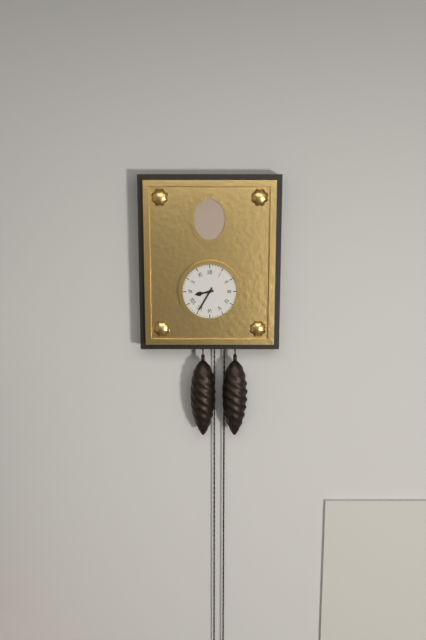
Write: 8:35
